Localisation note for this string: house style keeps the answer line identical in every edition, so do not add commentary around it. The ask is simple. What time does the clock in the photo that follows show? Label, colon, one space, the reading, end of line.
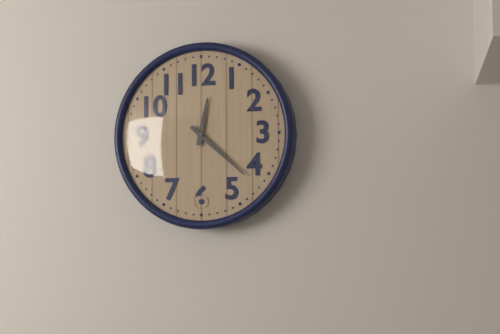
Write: 12:22
